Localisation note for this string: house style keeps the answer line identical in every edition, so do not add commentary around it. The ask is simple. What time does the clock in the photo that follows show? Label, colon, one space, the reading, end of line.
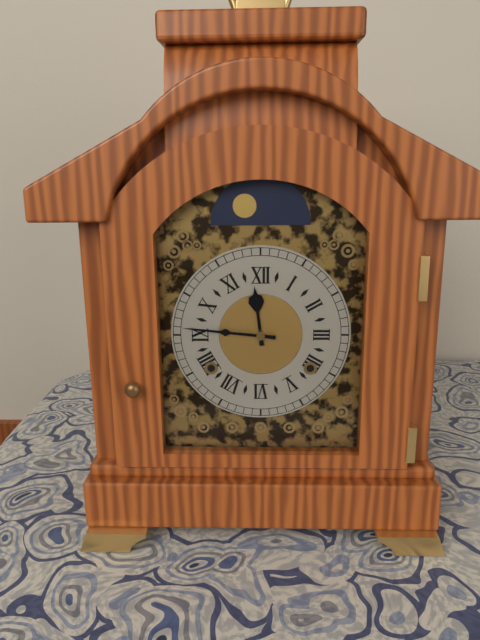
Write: 11:46
